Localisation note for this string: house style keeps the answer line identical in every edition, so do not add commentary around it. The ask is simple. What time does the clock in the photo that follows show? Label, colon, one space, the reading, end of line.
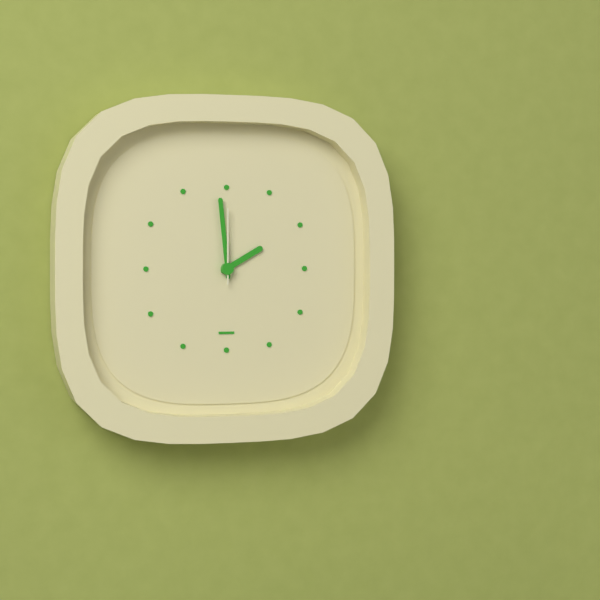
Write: 1:59:00
